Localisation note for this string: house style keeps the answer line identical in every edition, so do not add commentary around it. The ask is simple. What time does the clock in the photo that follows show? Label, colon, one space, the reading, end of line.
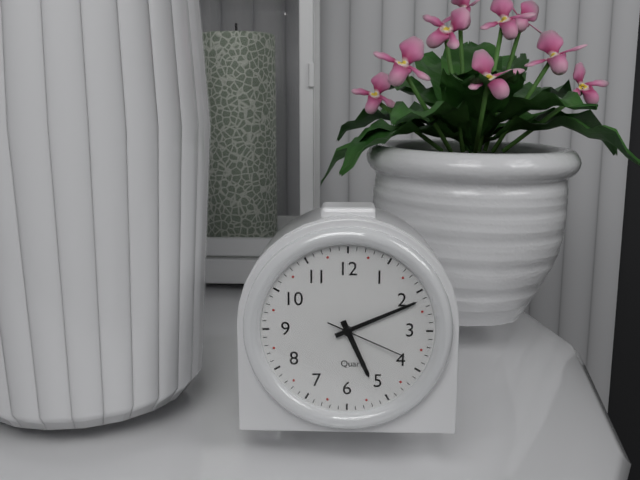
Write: 5:11:19
